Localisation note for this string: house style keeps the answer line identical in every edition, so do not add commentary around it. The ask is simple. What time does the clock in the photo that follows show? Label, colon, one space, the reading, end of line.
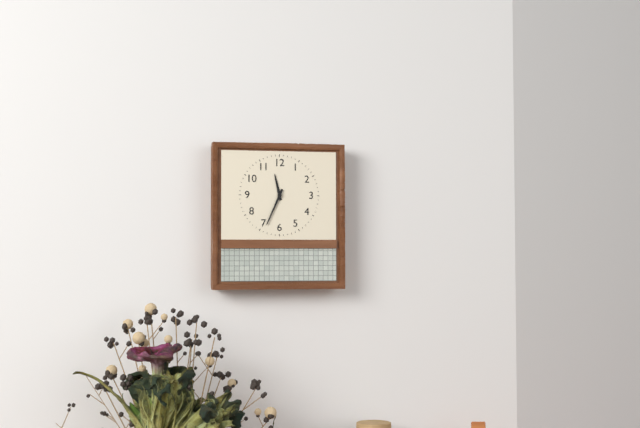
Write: 11:34
